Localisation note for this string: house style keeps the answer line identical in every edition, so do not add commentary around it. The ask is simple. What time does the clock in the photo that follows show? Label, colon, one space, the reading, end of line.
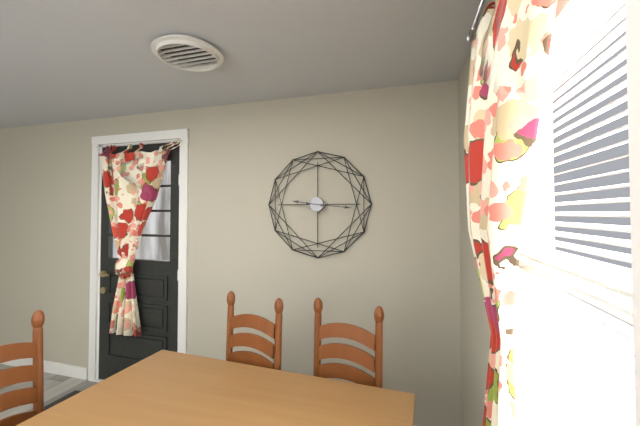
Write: 9:16
